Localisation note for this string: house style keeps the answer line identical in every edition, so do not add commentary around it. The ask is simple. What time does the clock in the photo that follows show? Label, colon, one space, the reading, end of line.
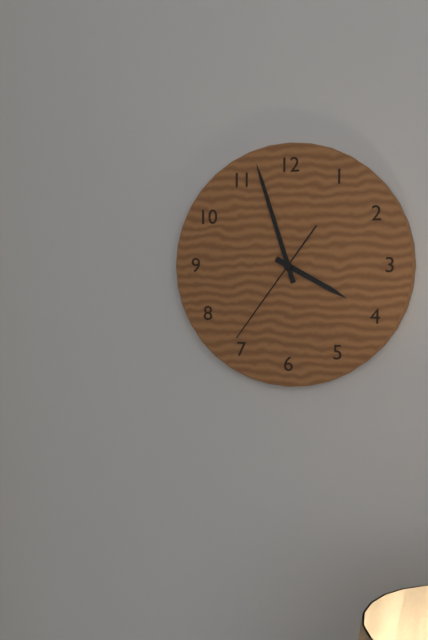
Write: 3:57:36
